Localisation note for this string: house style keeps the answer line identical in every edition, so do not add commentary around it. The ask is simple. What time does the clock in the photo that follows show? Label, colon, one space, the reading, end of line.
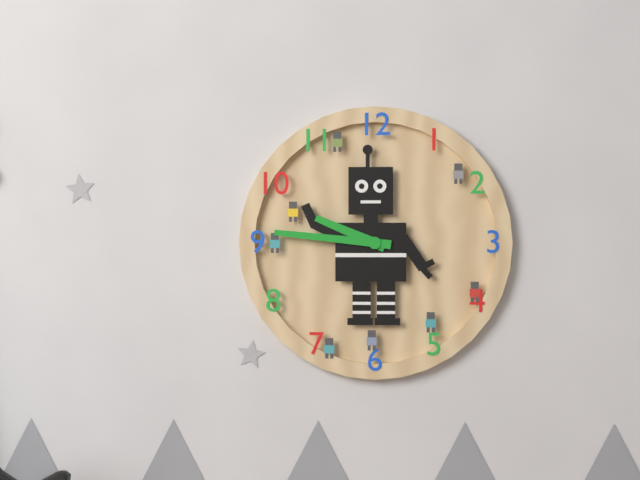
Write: 9:46
